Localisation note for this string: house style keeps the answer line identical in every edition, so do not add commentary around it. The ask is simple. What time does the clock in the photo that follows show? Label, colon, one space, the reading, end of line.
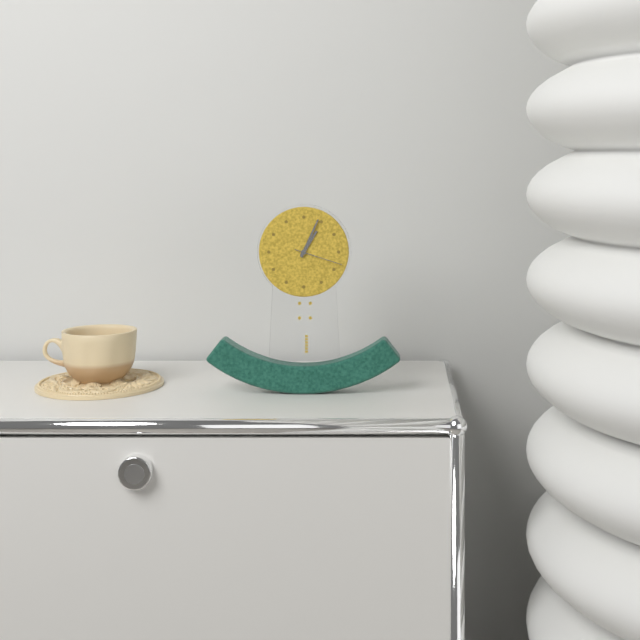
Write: 1:04:18
